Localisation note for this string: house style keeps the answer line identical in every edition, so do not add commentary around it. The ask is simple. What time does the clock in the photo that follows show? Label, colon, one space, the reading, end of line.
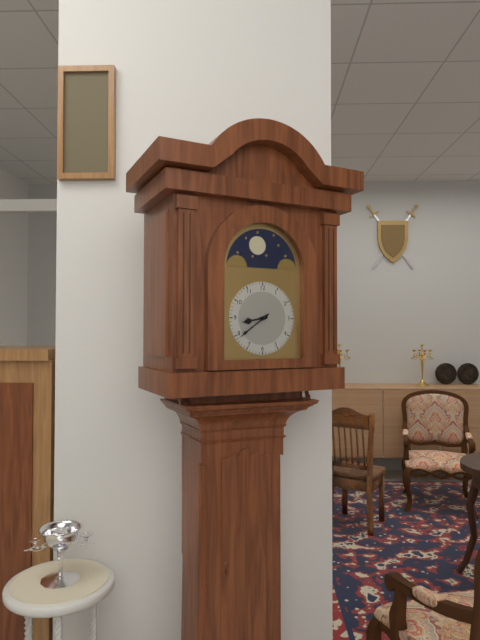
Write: 8:39
